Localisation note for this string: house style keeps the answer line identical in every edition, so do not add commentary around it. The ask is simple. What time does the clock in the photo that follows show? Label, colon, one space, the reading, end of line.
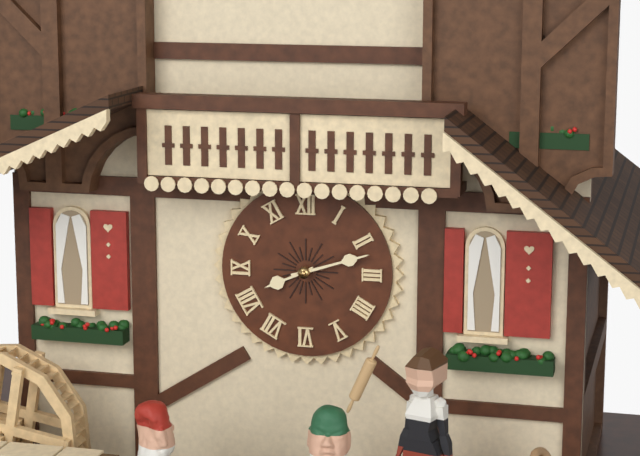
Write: 8:12
